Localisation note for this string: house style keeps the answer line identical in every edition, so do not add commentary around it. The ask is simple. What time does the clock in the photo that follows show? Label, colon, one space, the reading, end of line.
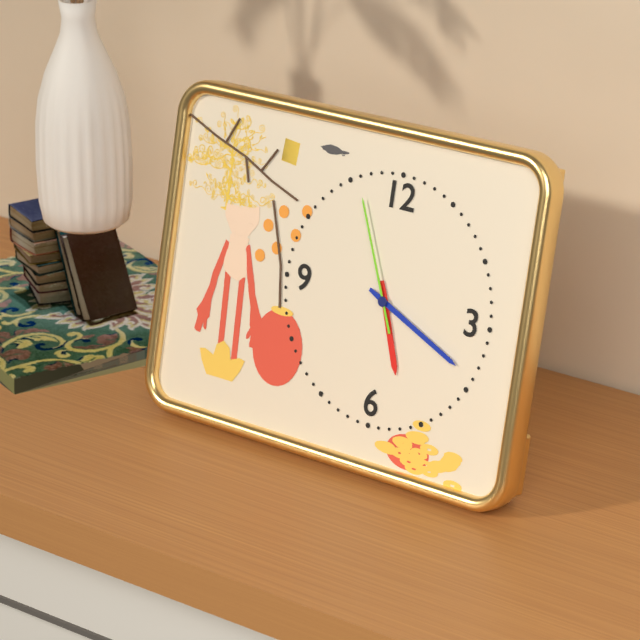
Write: 5:19:56
